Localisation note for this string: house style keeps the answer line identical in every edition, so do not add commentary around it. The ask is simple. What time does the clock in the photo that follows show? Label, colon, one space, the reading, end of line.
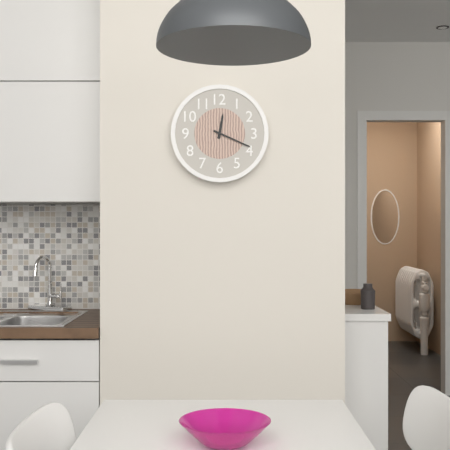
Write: 12:19
